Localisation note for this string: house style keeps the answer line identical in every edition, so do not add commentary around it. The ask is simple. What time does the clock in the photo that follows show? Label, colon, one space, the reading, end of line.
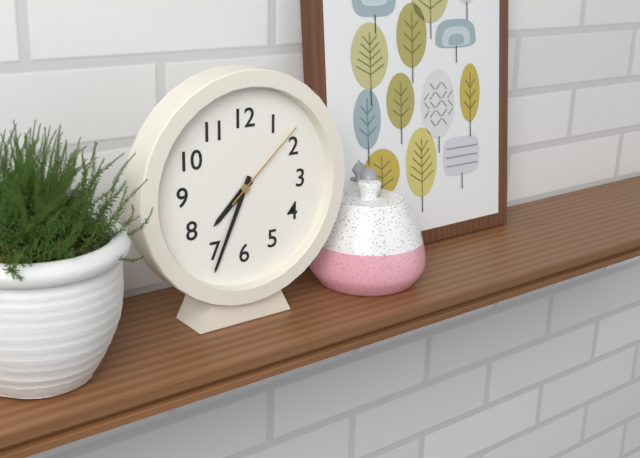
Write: 7:34:08
